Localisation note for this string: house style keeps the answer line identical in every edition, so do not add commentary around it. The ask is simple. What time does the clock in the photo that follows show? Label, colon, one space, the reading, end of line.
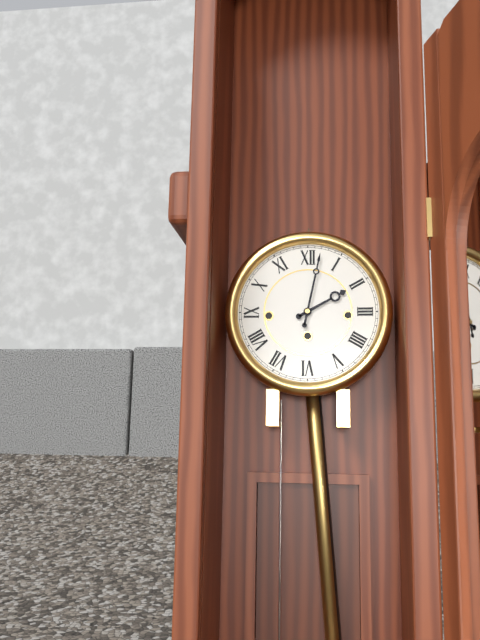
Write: 2:02
